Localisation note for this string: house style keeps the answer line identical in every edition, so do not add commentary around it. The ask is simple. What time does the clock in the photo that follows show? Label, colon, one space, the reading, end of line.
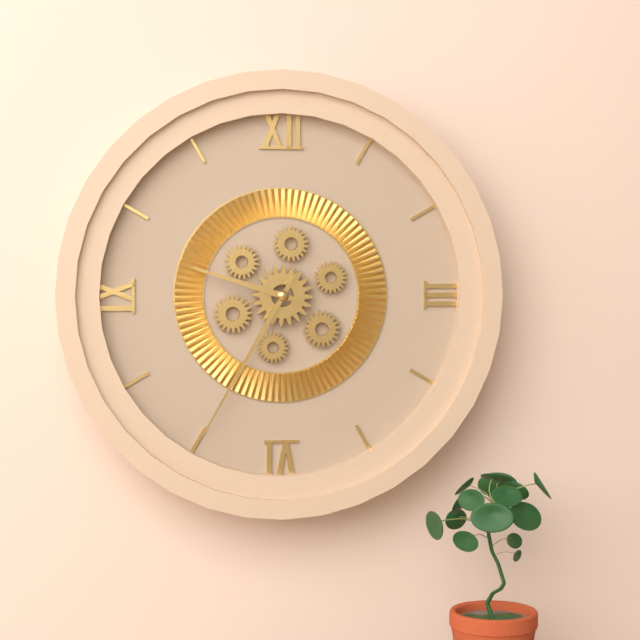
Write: 9:35
